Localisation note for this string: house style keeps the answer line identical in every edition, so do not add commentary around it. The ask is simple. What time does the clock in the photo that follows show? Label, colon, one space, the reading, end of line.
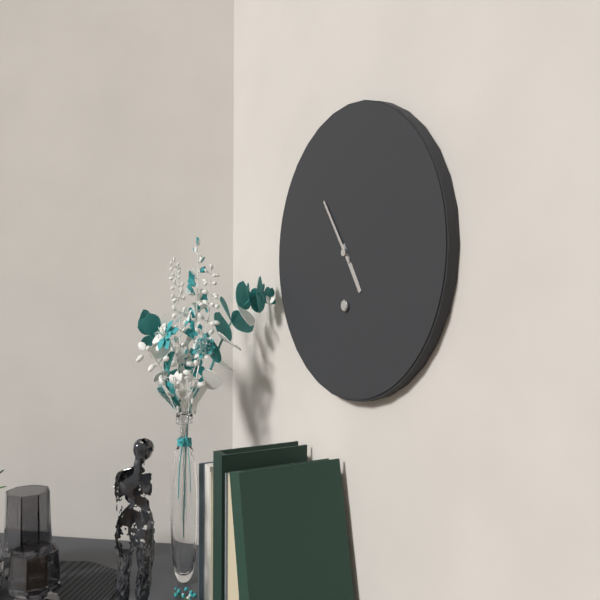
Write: 4:54
